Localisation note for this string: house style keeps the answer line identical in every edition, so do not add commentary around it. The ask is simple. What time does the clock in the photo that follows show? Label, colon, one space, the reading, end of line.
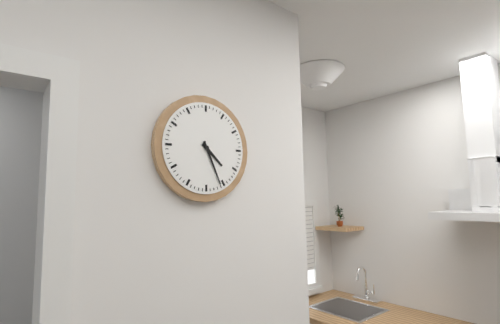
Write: 4:26
